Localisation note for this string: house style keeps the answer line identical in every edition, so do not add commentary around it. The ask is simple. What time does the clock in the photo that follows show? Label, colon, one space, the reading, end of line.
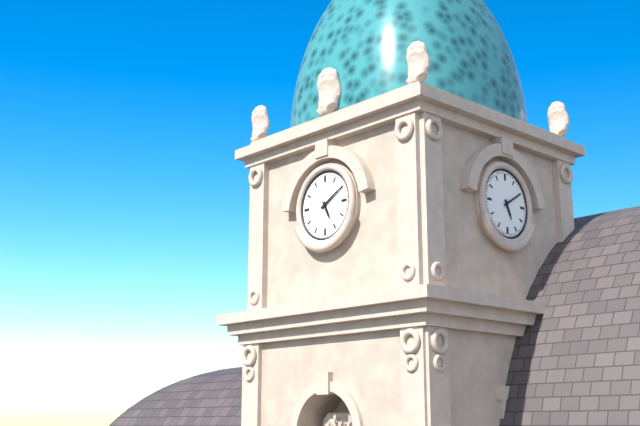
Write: 5:10
